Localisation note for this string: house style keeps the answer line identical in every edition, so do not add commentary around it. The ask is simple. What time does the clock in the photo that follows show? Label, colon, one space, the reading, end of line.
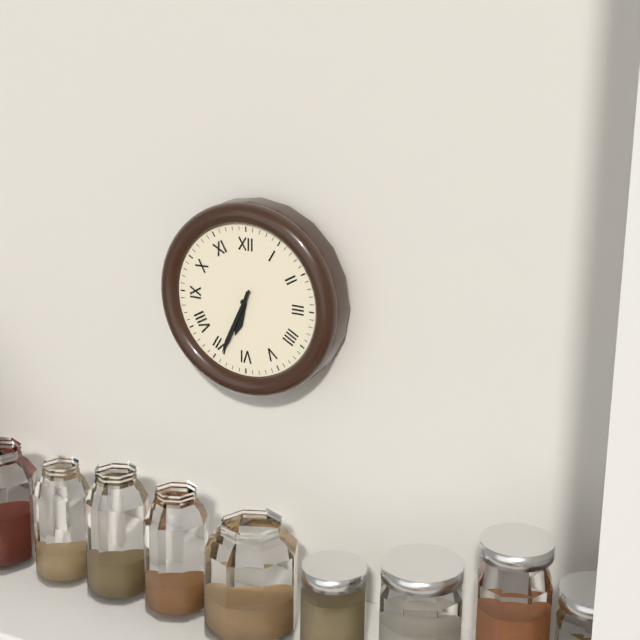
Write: 6:34
